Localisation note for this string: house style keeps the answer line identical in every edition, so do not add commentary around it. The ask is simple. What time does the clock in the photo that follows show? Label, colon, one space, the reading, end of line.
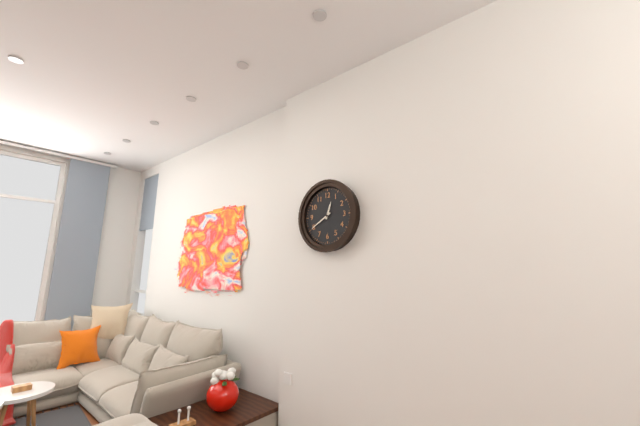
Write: 12:40
